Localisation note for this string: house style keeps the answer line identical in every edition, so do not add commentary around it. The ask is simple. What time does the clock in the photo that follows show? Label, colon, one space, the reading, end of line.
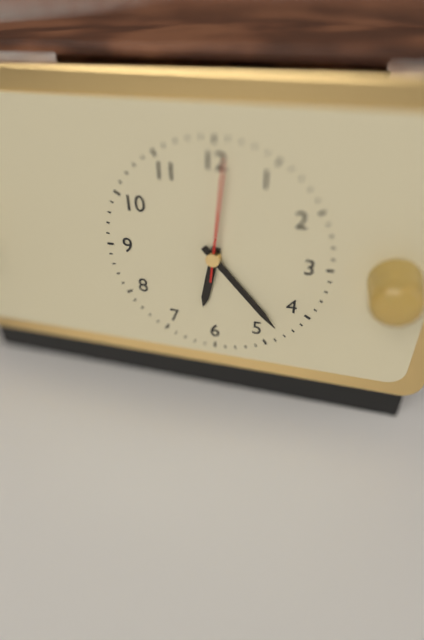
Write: 6:23:01
